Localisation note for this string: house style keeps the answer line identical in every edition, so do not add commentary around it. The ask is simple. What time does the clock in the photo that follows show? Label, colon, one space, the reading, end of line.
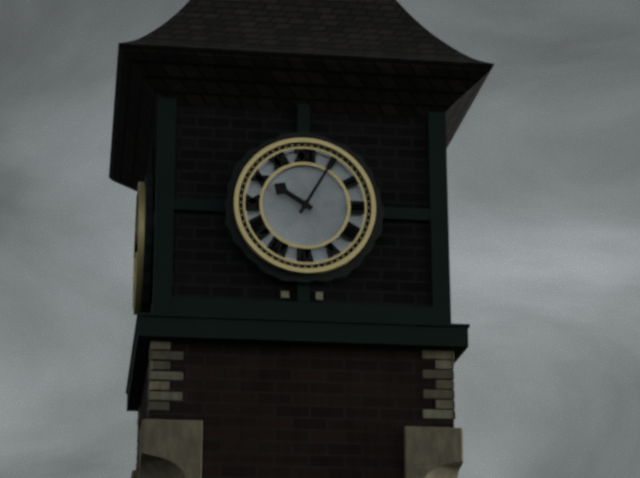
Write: 10:05
